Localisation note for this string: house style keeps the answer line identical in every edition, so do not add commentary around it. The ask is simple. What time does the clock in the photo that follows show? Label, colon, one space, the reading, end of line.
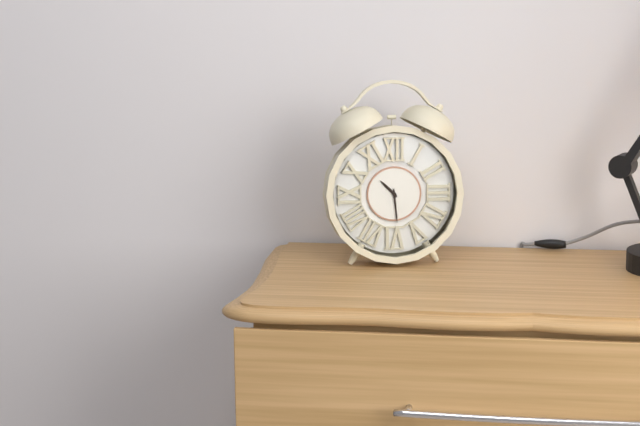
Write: 10:29
